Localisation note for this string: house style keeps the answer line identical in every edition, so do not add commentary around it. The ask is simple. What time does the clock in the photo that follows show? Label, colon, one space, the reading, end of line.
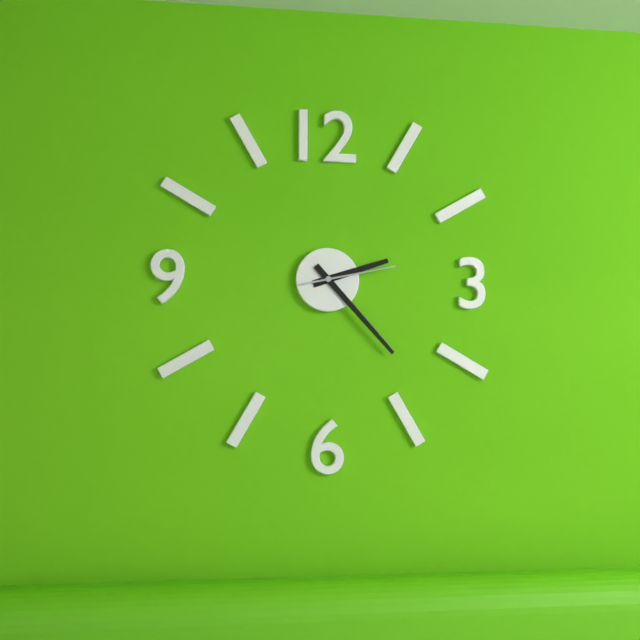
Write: 2:23:13
